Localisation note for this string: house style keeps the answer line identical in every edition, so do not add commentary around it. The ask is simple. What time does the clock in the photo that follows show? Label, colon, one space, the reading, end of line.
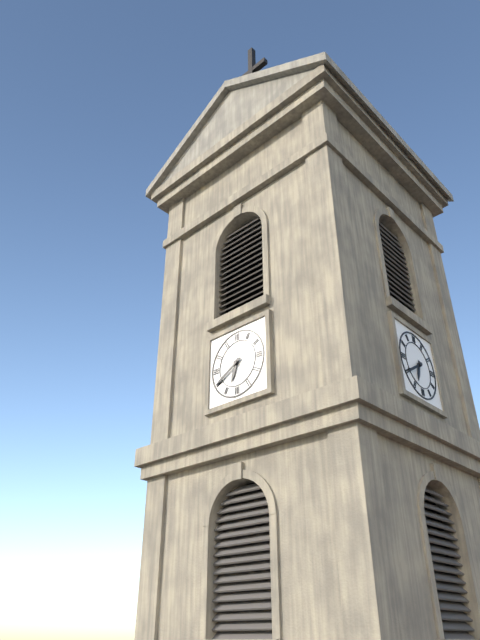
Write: 6:40
